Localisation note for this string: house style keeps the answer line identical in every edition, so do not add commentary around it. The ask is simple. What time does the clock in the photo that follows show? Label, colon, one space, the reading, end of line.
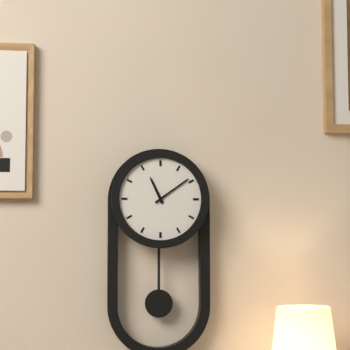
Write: 11:09
